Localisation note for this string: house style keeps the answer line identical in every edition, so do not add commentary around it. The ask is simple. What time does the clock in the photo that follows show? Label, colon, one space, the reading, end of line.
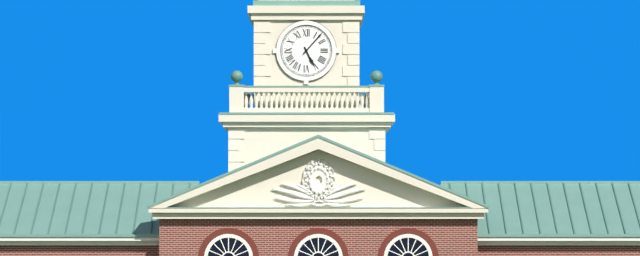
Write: 5:07
